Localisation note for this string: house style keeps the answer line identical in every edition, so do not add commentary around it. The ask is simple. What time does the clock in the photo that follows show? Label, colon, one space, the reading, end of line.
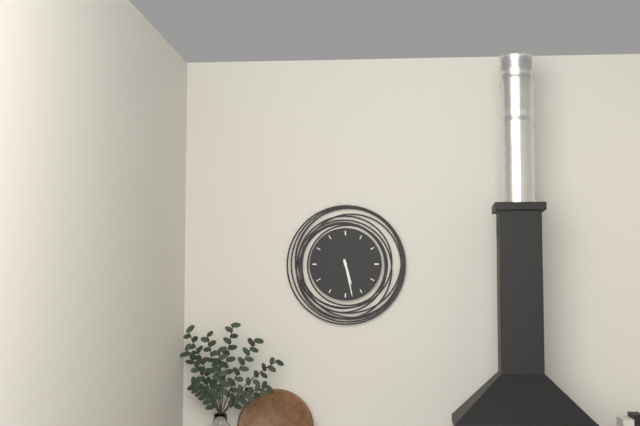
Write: 5:28
